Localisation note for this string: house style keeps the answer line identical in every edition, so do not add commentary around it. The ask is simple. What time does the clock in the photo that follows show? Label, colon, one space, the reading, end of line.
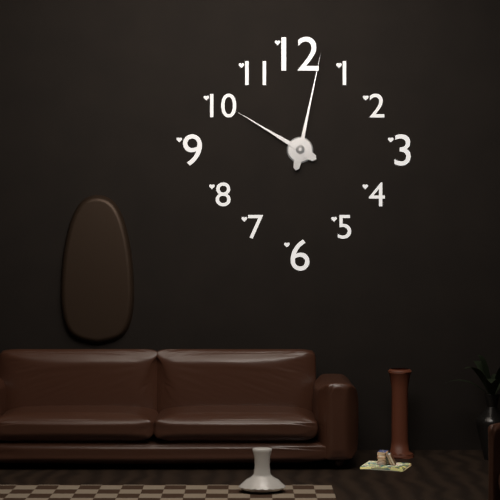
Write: 10:02
